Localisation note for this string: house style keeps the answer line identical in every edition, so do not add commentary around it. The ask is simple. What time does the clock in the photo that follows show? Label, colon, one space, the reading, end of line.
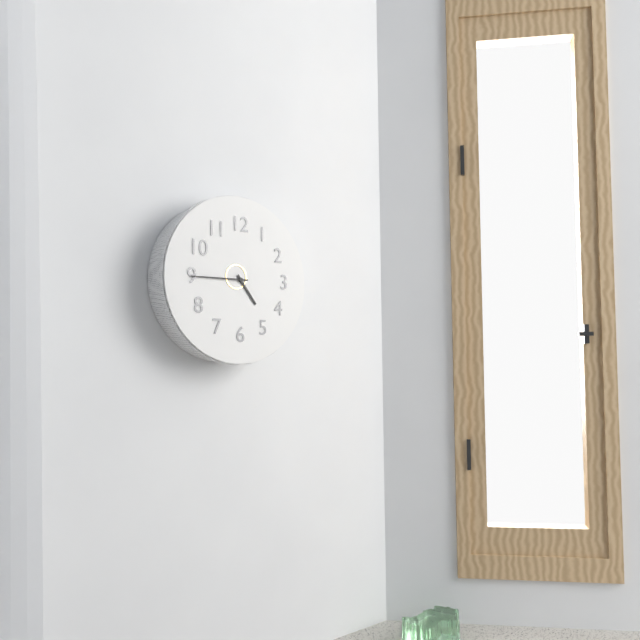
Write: 4:45
